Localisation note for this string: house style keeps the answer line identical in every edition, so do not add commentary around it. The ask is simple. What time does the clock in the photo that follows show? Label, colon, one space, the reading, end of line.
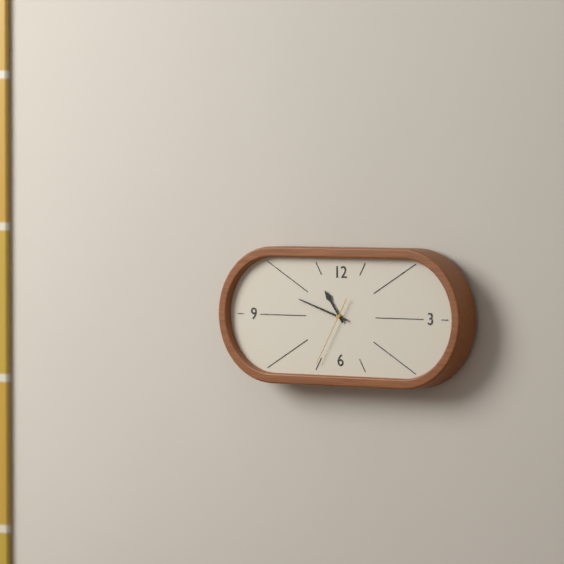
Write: 10:48:35
